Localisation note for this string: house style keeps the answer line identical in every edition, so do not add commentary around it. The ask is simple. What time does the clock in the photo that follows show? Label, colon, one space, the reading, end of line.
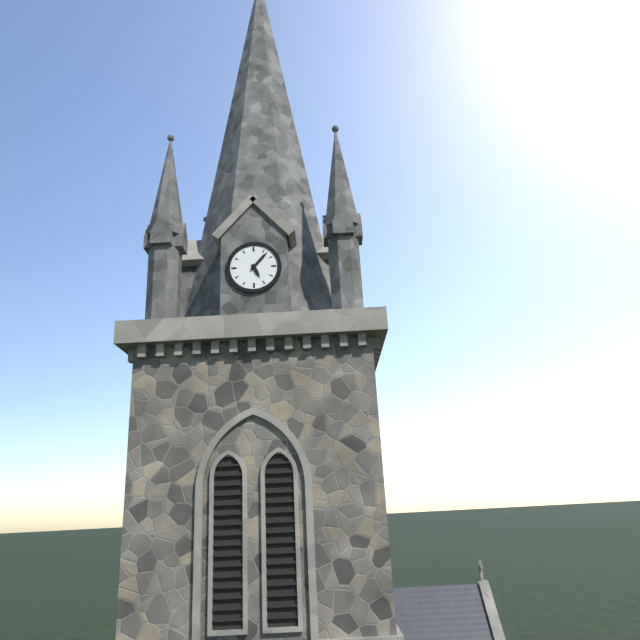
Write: 5:07
